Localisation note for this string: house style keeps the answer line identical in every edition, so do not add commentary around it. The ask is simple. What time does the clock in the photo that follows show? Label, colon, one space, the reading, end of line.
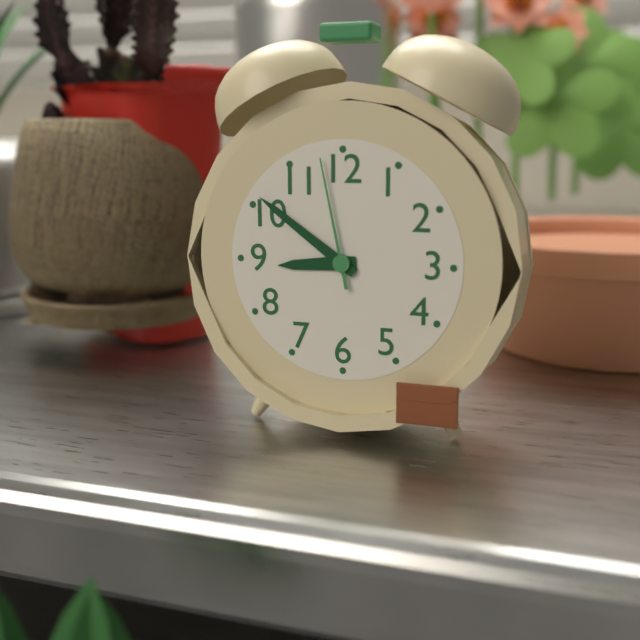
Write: 8:51:58
